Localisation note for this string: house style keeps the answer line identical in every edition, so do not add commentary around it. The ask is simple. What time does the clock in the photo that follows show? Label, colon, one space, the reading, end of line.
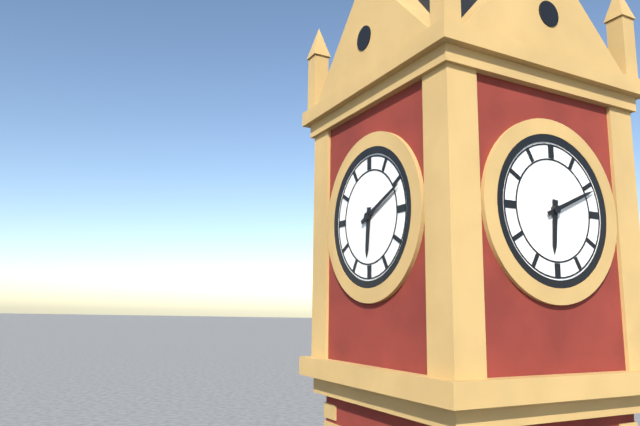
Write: 6:11
